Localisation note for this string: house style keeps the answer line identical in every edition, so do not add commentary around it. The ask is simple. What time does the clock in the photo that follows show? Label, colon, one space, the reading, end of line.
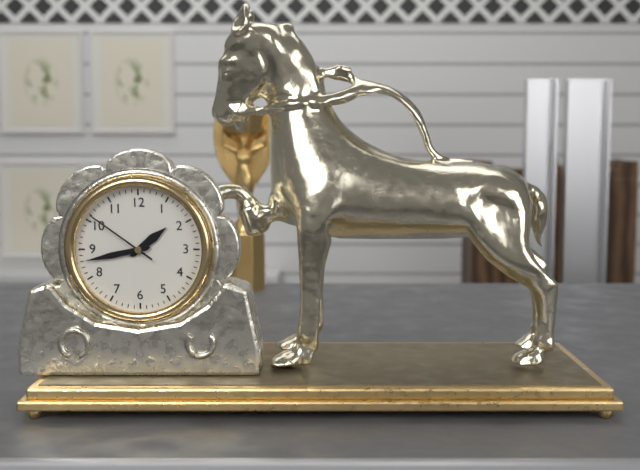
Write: 1:43:51
